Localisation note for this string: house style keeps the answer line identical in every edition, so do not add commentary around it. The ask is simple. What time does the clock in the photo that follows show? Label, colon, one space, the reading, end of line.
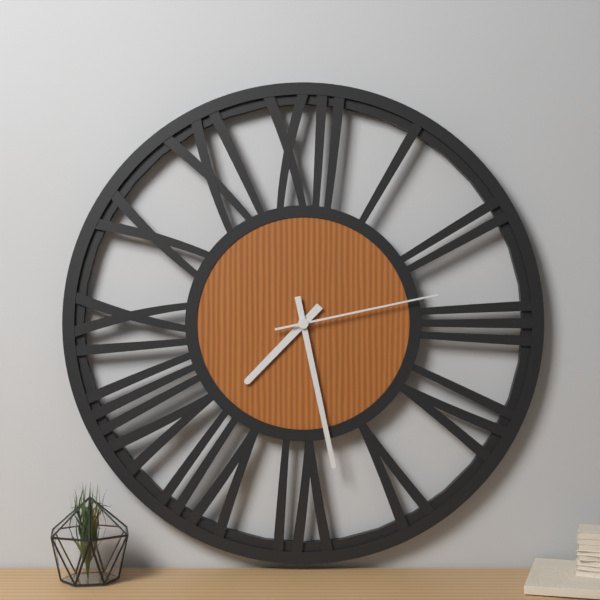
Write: 7:28:13
